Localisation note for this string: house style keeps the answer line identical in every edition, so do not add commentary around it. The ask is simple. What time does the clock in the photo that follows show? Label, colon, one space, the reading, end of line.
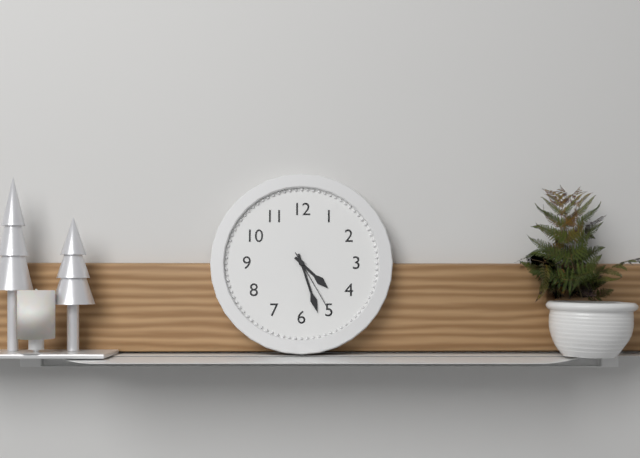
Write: 4:27:25
